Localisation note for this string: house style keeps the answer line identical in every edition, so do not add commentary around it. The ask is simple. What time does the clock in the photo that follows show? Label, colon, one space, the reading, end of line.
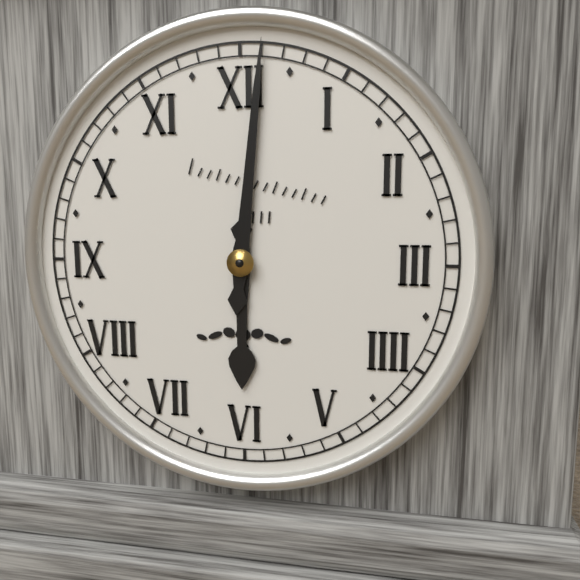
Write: 6:01
